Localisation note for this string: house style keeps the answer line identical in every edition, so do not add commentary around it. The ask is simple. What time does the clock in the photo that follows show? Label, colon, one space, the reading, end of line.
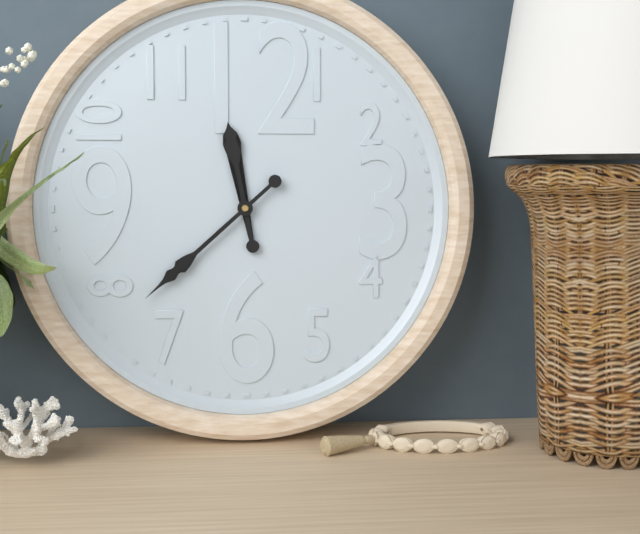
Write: 11:38
